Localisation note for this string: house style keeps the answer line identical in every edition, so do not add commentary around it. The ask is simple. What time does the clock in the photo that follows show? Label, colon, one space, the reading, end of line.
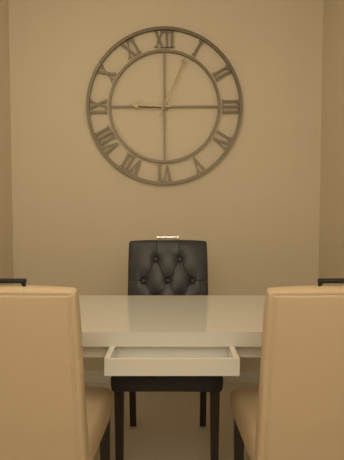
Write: 9:04
